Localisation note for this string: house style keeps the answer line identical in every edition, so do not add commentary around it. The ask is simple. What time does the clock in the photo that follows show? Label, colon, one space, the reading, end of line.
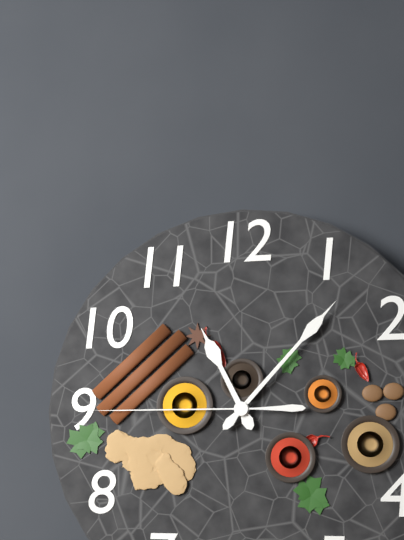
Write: 11:07:45
